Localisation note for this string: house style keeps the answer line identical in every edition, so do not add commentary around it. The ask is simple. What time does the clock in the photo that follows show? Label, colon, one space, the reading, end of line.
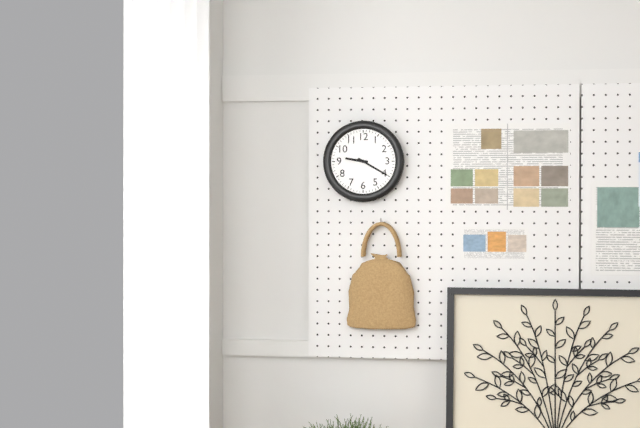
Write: 9:20
